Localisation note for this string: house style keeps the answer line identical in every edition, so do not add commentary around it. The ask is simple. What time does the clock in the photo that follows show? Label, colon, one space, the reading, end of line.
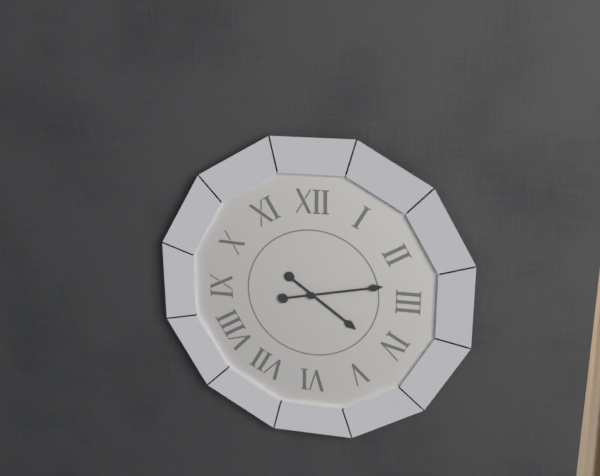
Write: 4:13
